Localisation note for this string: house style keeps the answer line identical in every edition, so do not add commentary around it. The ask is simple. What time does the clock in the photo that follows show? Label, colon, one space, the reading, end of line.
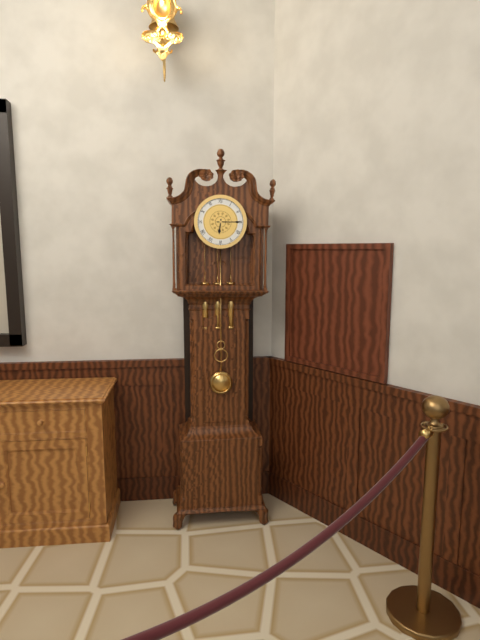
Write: 6:15
